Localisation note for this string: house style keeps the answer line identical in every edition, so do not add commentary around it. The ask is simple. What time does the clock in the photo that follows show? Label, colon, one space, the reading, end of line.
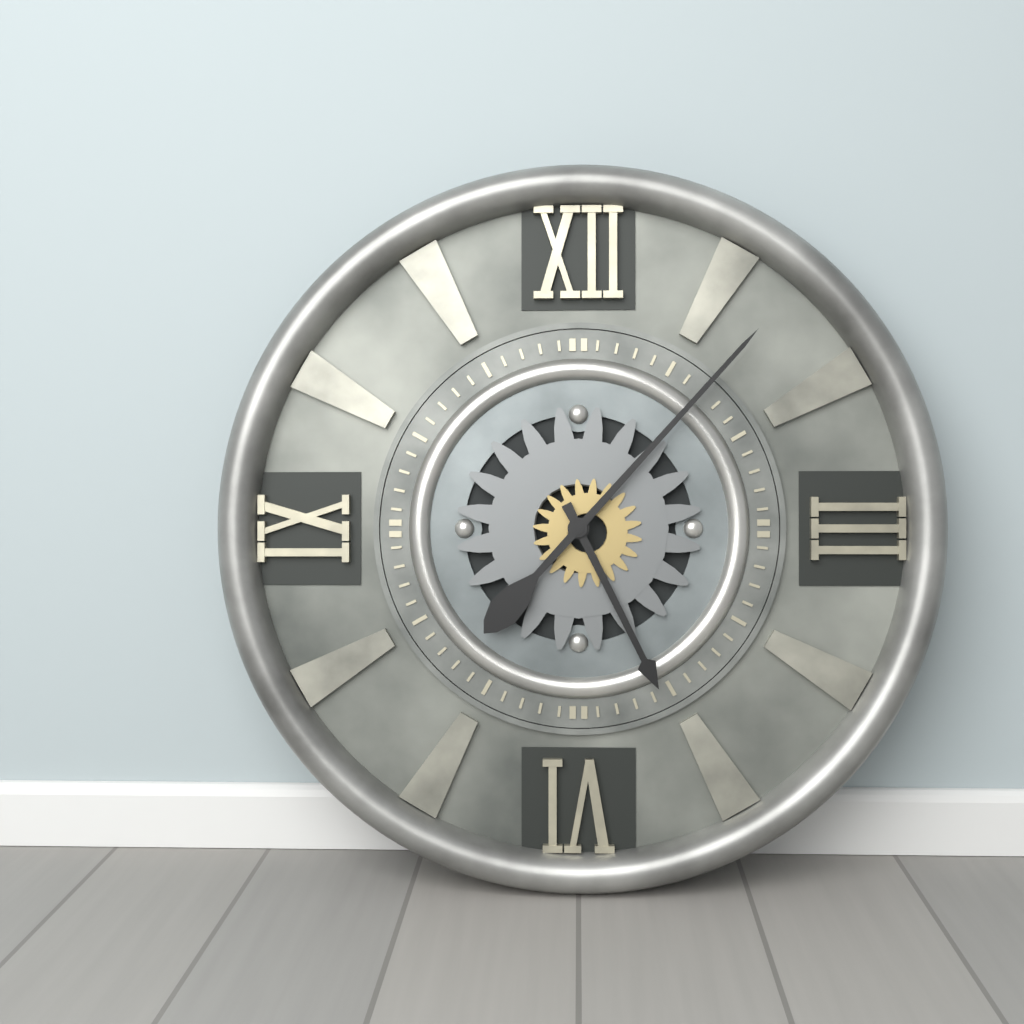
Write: 5:07
